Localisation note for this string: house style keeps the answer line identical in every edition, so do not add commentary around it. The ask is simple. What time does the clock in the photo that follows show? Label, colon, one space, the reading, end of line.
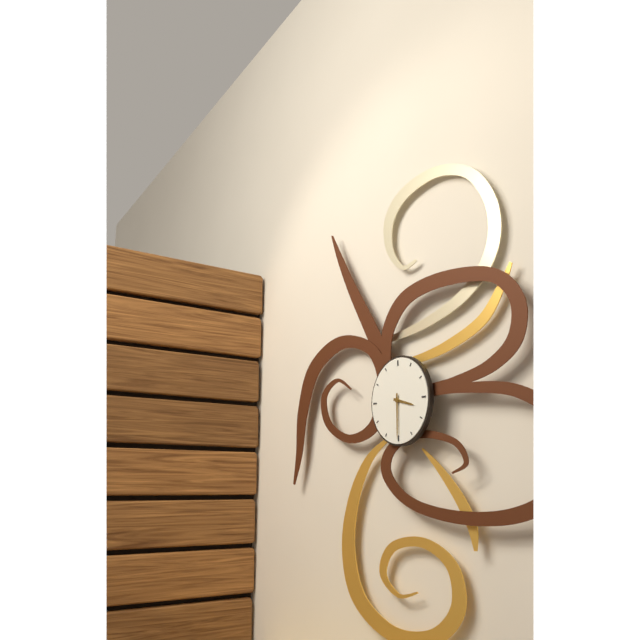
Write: 3:30
